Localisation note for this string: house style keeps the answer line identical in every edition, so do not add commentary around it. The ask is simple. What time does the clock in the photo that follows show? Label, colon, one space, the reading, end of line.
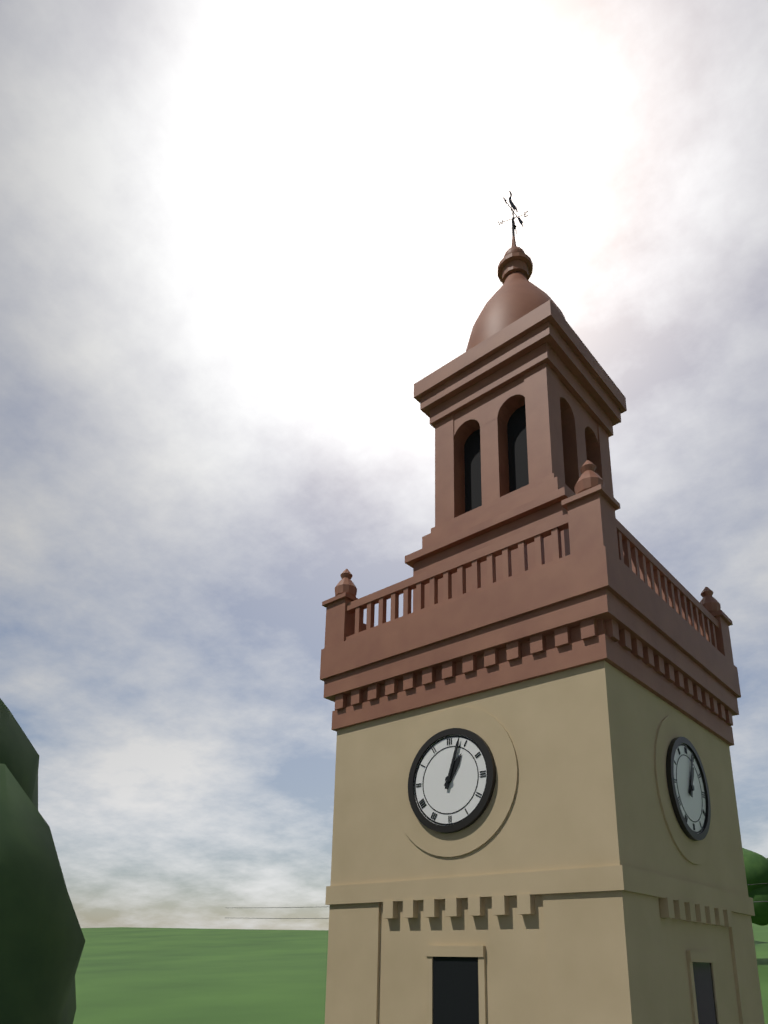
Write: 1:03
